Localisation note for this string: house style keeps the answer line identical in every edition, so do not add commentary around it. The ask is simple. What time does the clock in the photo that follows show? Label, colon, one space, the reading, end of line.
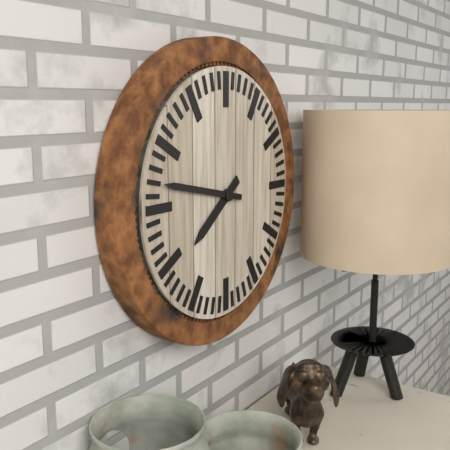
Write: 7:47
